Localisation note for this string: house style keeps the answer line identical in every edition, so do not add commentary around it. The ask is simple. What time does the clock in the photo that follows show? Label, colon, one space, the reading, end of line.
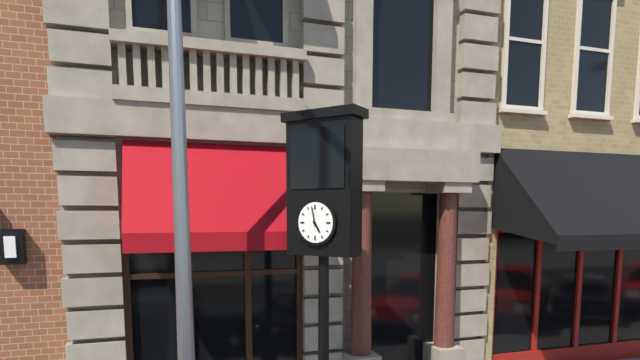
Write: 4:58
